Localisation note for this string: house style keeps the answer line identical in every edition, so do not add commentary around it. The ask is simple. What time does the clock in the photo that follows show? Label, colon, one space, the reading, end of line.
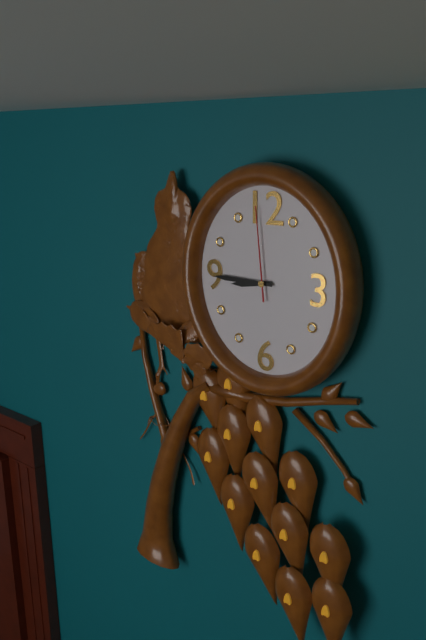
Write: 8:45:59
